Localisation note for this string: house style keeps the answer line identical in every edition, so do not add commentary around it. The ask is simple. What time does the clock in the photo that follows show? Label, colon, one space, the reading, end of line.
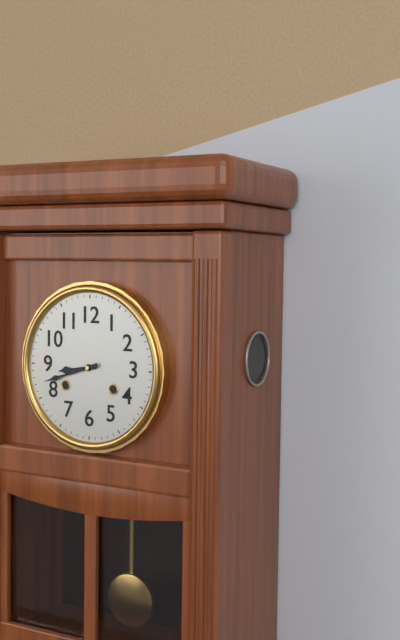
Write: 8:42
